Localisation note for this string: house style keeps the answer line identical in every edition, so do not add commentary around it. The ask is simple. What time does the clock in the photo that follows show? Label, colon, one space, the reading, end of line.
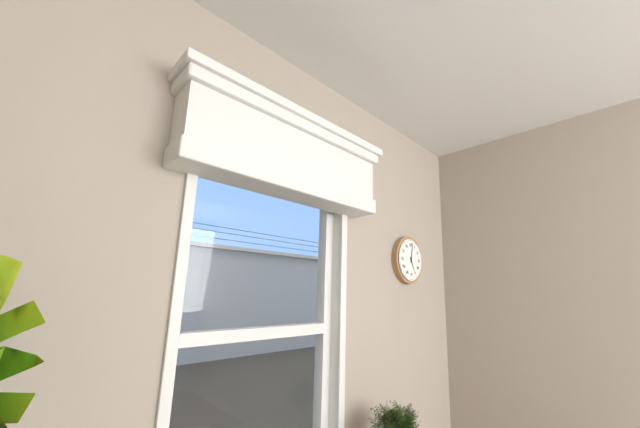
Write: 5:02
